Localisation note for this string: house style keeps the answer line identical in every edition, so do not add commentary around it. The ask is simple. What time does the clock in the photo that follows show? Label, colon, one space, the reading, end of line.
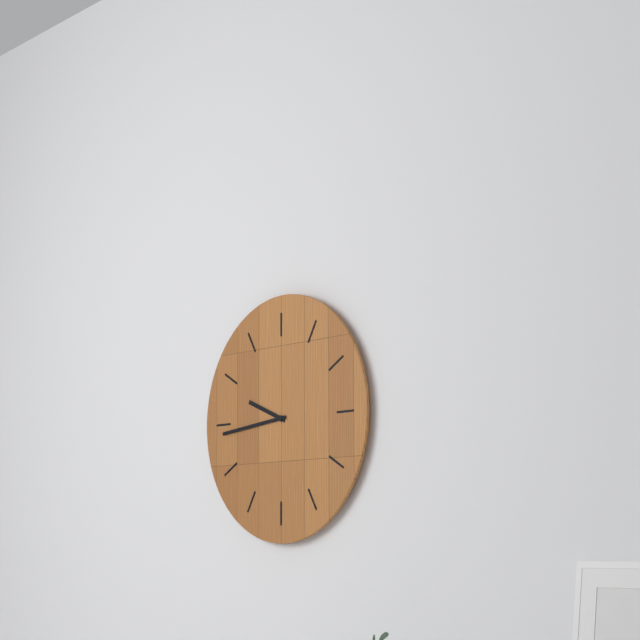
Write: 9:44
